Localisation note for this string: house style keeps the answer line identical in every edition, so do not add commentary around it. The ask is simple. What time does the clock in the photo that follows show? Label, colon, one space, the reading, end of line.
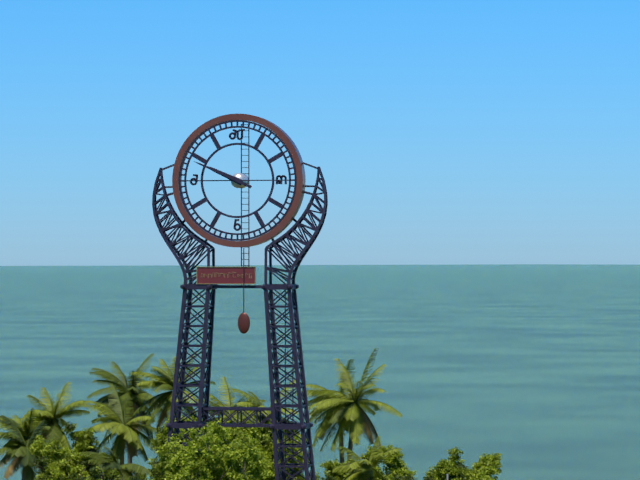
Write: 9:49
